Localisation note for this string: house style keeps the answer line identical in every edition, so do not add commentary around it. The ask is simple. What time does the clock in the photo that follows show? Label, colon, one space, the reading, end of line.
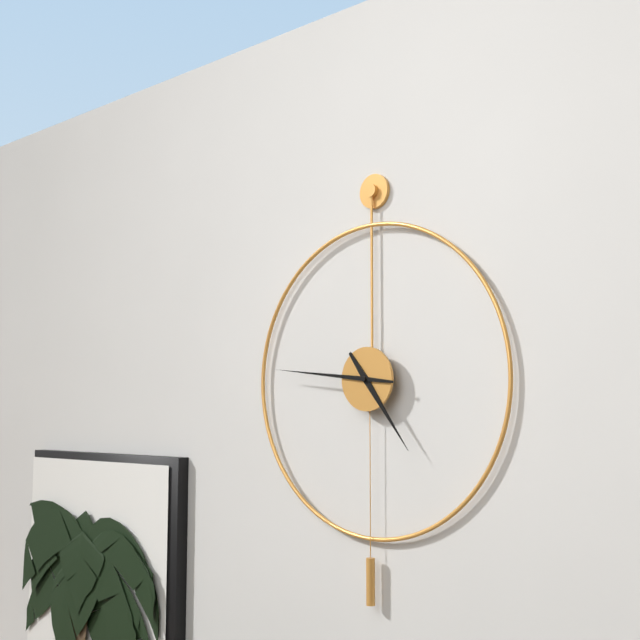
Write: 4:46
